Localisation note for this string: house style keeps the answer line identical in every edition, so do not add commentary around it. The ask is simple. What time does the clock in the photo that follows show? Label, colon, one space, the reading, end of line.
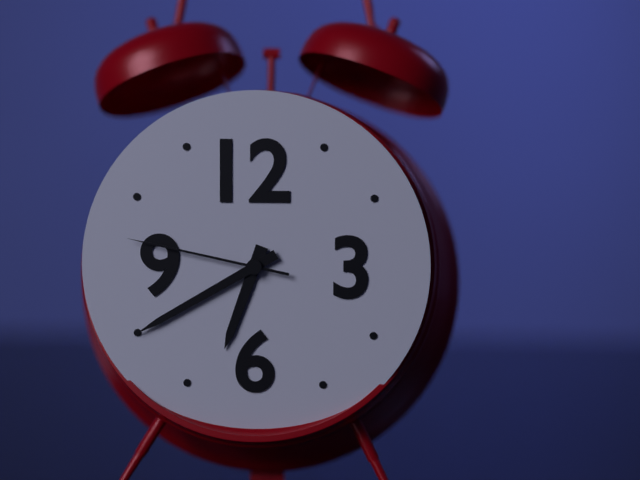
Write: 6:40:47
